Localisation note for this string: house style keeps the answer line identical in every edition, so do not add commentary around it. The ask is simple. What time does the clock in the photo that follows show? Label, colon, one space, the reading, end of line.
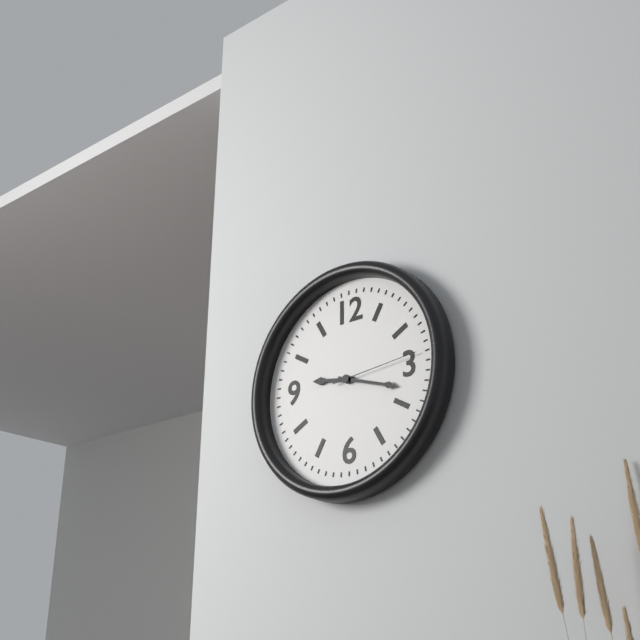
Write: 9:18:14
